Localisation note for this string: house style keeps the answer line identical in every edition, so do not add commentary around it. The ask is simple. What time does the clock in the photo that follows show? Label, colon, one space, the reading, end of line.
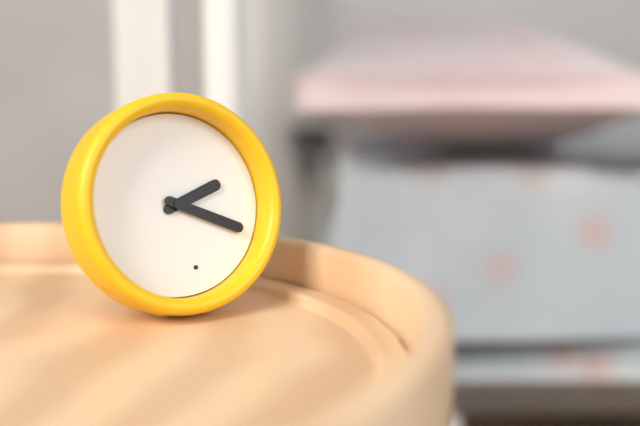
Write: 2:19
